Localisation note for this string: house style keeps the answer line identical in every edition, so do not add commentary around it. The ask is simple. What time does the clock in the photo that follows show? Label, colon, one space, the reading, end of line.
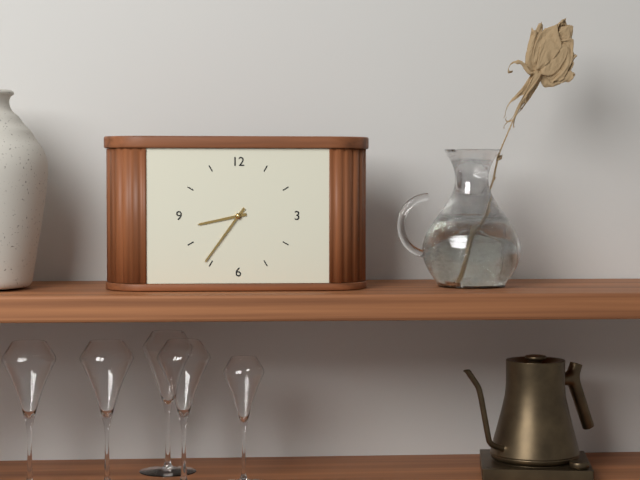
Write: 8:36
